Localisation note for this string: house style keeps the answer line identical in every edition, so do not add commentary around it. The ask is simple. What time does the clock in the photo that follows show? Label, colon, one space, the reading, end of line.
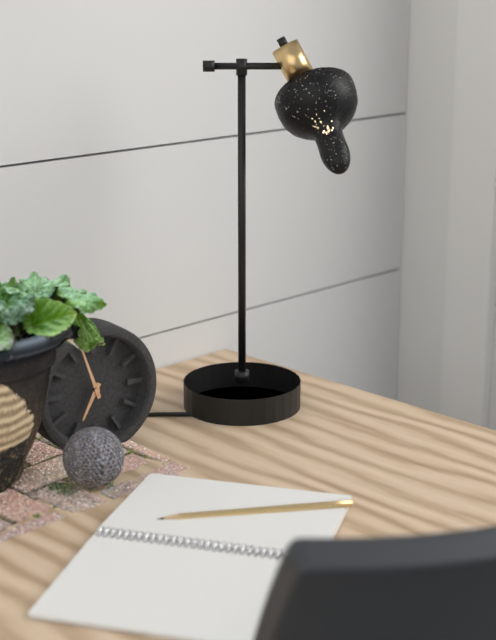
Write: 6:57
